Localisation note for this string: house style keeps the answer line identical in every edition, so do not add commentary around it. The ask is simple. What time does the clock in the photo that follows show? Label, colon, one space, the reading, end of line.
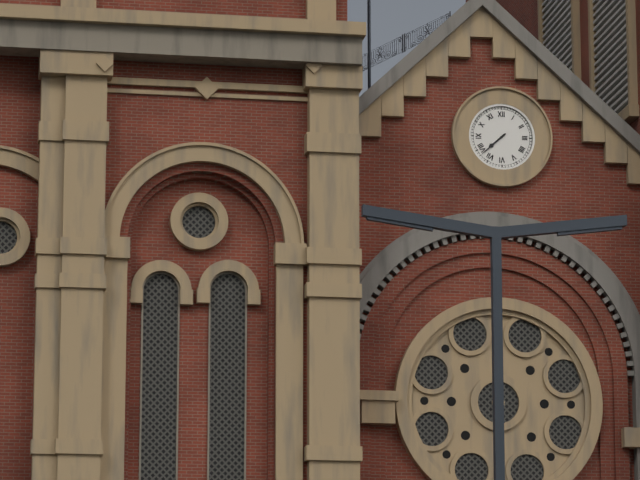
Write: 7:38
